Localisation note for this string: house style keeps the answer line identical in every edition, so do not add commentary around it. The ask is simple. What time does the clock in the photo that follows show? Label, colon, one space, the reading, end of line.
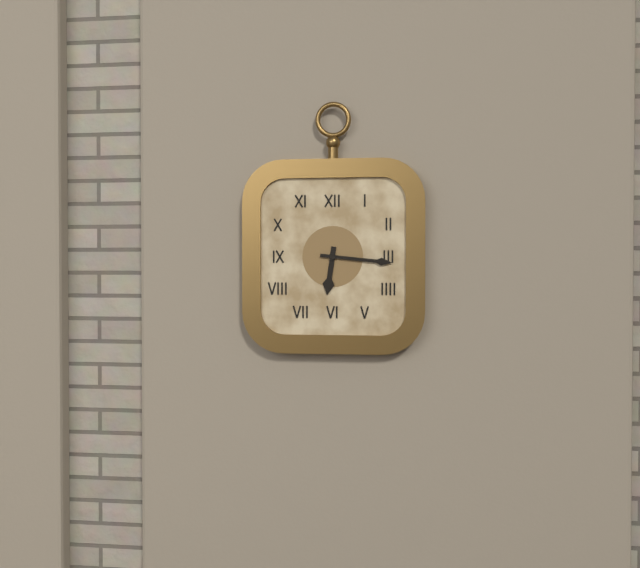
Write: 6:16
